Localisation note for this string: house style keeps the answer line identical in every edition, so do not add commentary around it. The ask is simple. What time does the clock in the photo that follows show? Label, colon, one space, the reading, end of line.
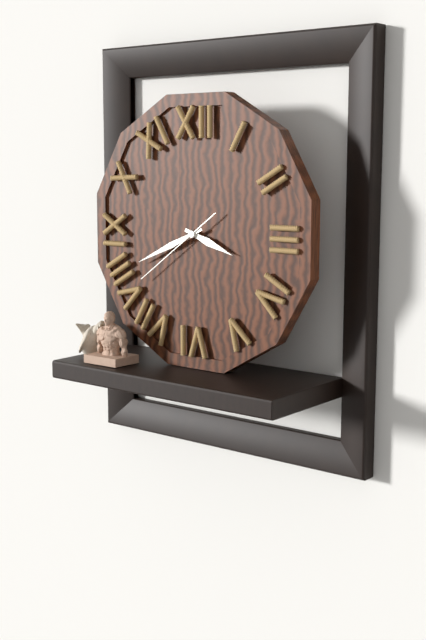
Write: 3:41:39
